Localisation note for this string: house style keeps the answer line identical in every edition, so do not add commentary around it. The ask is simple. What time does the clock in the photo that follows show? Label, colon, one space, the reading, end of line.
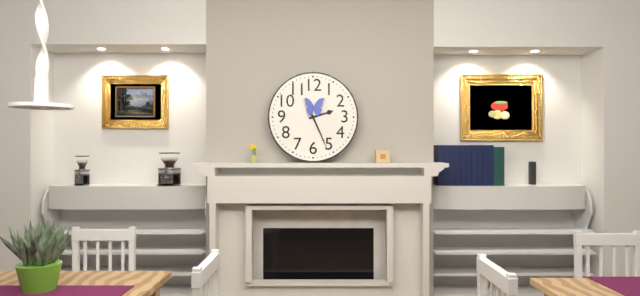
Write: 2:26
